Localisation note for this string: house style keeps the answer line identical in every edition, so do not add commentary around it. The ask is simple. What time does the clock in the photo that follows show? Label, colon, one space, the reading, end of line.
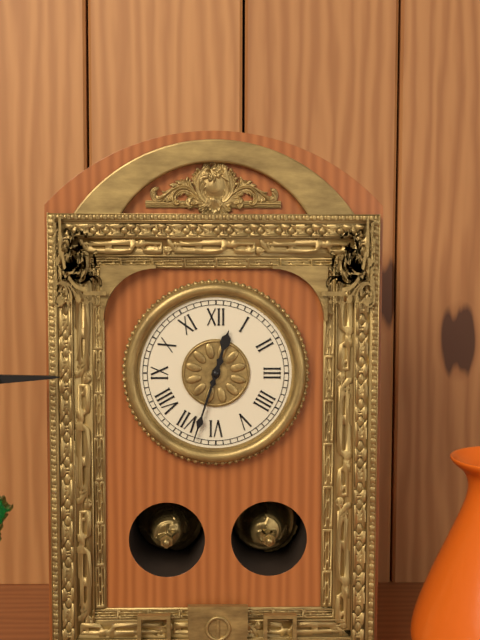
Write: 12:33
